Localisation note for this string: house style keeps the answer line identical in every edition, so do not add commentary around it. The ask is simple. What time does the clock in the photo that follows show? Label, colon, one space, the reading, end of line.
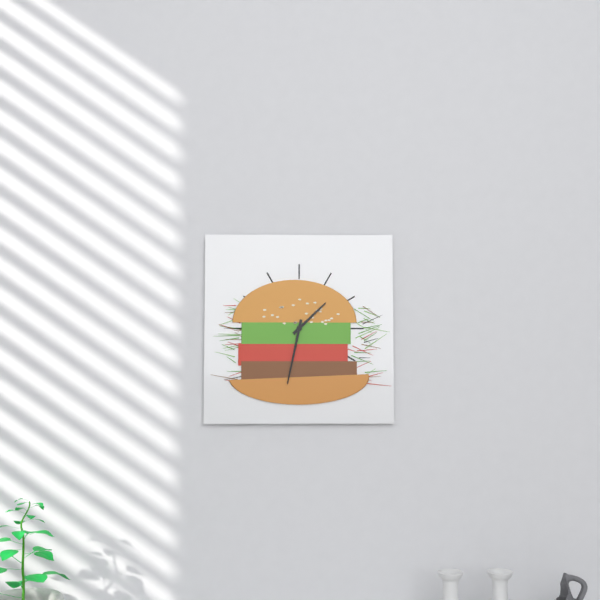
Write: 1:32
